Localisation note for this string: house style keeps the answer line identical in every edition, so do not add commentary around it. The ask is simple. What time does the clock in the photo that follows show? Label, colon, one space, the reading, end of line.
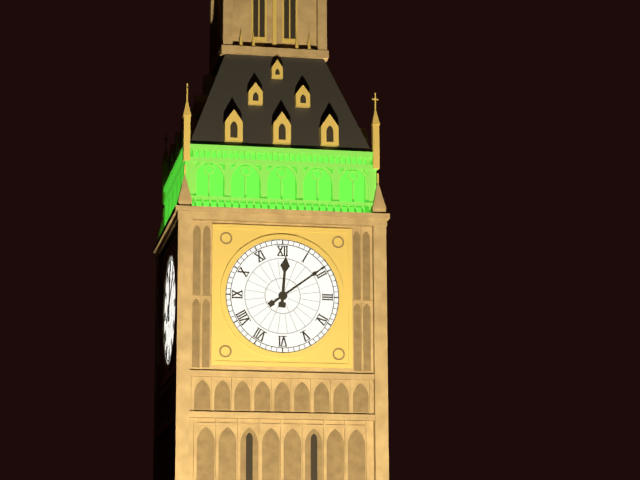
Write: 12:09
